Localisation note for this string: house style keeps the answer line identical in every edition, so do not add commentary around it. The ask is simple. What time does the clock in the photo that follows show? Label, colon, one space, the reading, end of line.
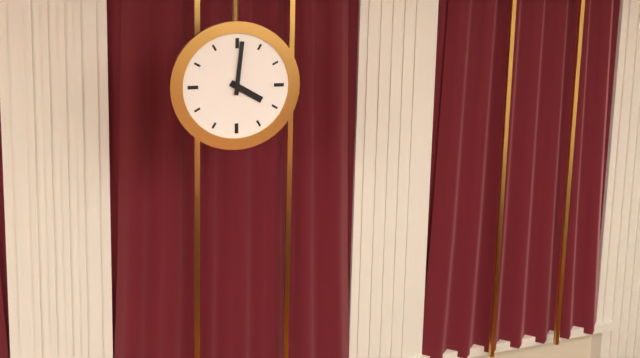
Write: 4:01
